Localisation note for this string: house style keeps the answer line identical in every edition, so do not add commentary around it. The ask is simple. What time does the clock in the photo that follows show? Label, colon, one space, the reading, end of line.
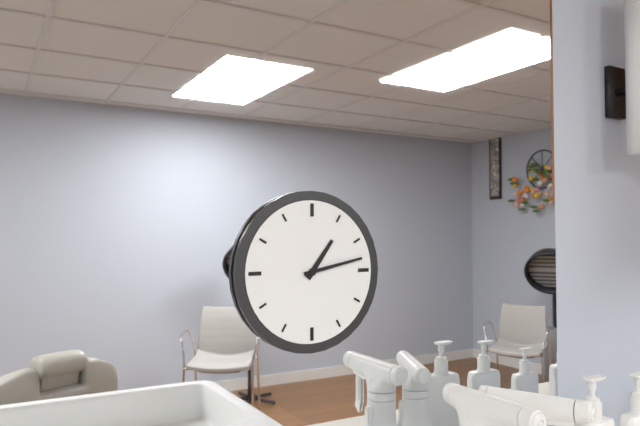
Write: 1:13
